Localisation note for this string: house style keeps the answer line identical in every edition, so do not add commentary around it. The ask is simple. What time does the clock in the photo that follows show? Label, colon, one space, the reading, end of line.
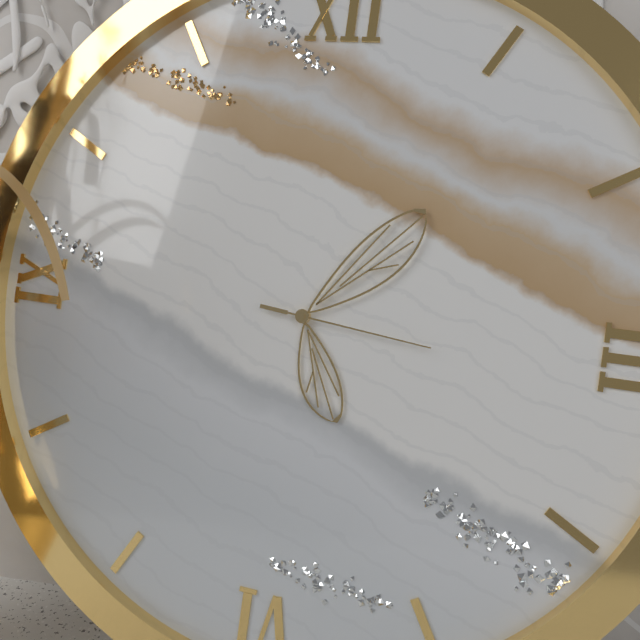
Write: 5:07:16
